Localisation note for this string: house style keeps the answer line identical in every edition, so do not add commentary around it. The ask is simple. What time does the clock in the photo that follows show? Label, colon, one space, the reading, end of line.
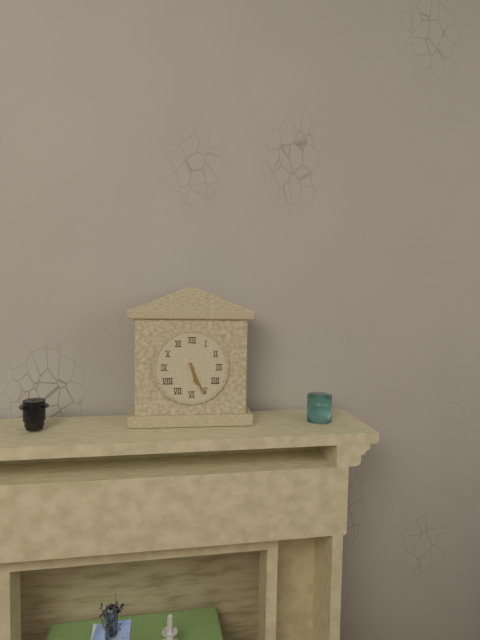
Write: 5:26
